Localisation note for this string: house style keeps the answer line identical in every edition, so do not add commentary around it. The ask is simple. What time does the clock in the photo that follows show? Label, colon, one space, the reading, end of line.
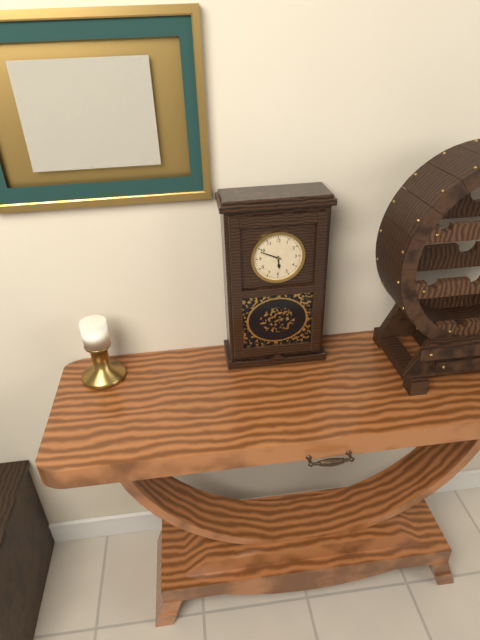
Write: 5:49
